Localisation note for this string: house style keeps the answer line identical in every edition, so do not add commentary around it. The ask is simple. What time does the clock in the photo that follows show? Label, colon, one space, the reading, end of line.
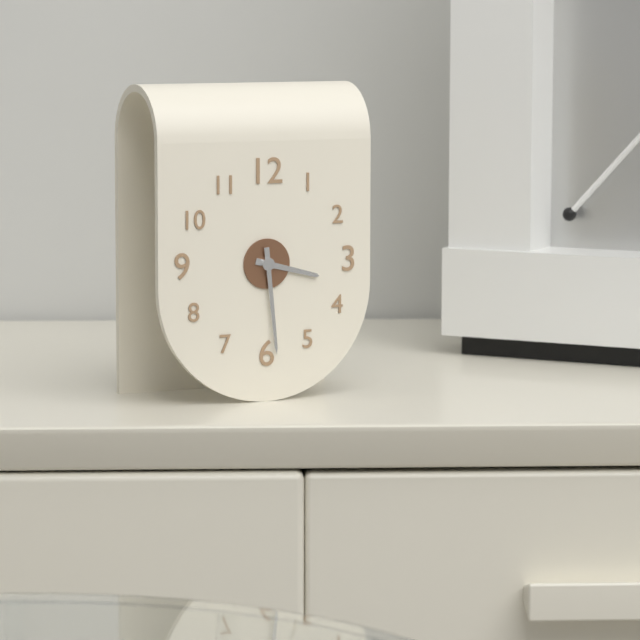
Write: 3:29
